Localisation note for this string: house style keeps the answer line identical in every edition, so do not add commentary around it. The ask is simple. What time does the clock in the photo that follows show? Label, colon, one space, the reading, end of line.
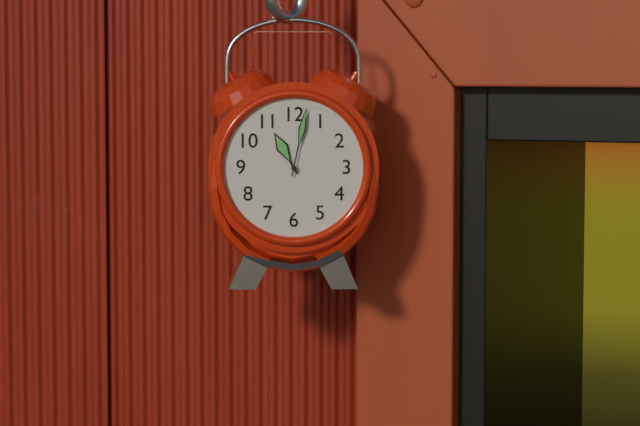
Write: 11:02
